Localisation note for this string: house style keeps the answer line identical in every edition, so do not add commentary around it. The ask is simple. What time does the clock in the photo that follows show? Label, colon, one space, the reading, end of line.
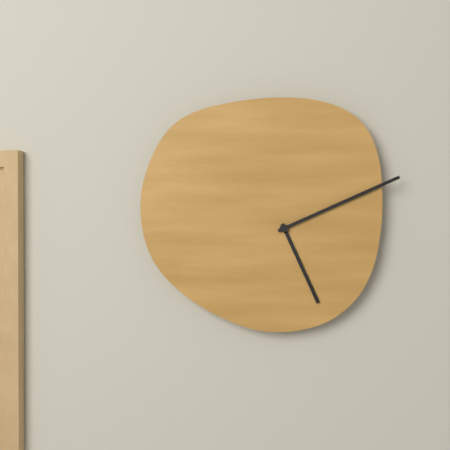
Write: 5:11
